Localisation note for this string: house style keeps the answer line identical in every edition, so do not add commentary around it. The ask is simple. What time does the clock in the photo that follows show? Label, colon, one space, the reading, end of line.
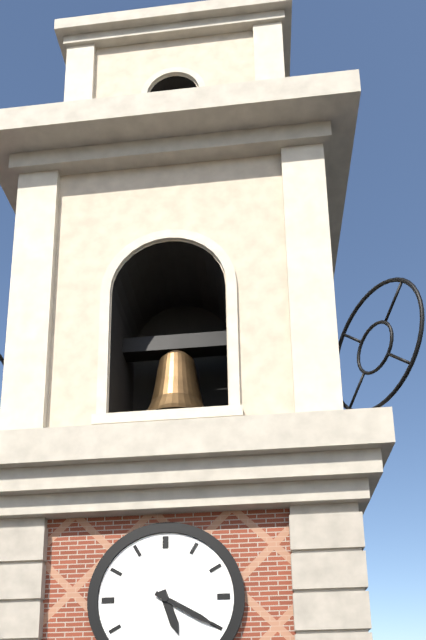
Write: 5:20
